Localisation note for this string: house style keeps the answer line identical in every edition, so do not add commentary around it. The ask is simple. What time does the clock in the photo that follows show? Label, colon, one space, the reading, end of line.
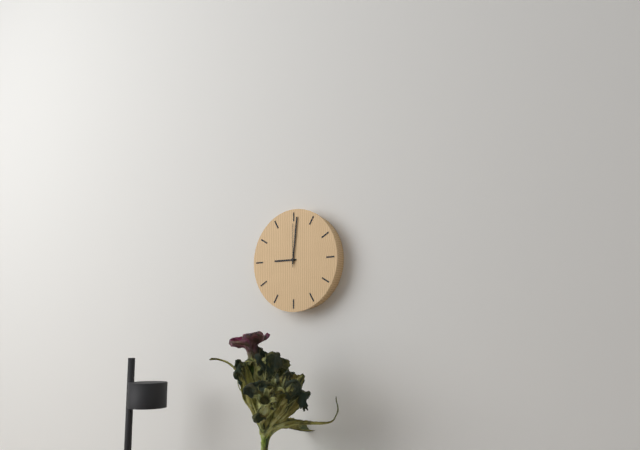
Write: 9:01
